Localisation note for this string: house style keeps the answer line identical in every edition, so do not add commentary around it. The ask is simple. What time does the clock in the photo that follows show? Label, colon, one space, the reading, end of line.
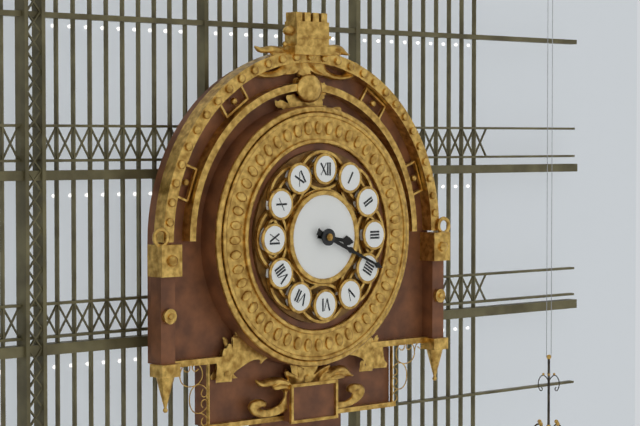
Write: 3:19
